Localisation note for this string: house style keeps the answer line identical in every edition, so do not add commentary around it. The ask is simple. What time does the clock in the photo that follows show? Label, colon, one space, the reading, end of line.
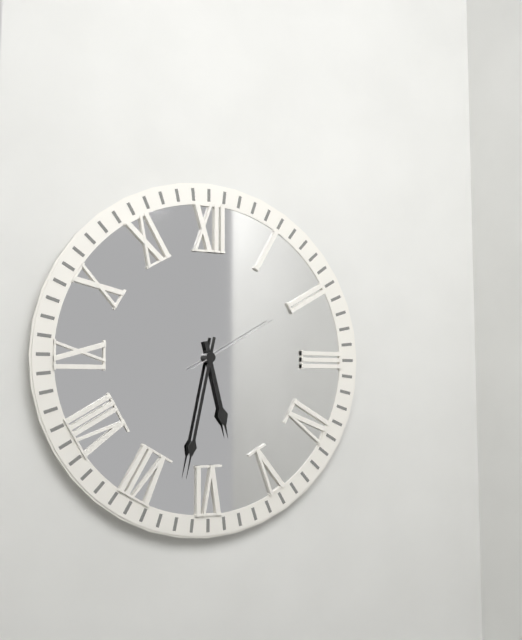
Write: 5:32:10
